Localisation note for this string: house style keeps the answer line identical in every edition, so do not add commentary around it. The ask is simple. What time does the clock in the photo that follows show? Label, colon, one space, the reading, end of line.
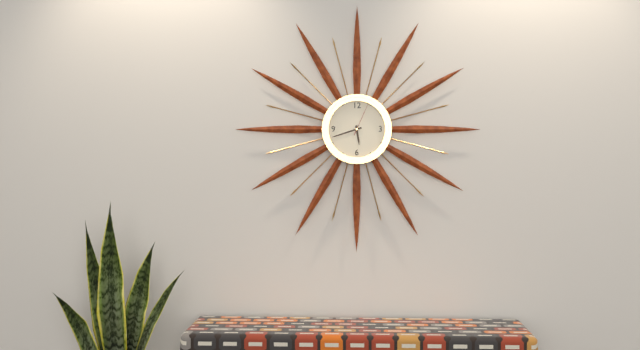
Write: 5:42
